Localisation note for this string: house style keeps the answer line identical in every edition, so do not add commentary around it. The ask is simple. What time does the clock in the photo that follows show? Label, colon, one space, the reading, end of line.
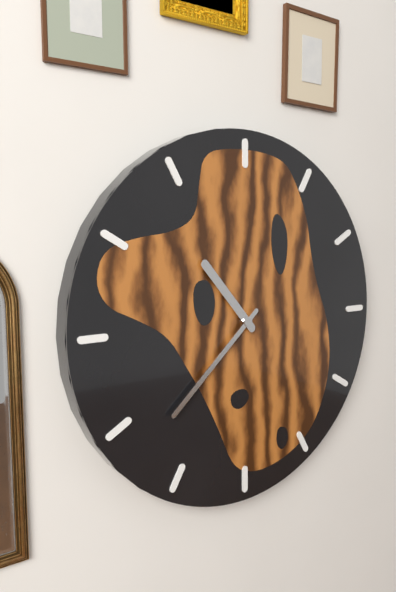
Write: 10:38
